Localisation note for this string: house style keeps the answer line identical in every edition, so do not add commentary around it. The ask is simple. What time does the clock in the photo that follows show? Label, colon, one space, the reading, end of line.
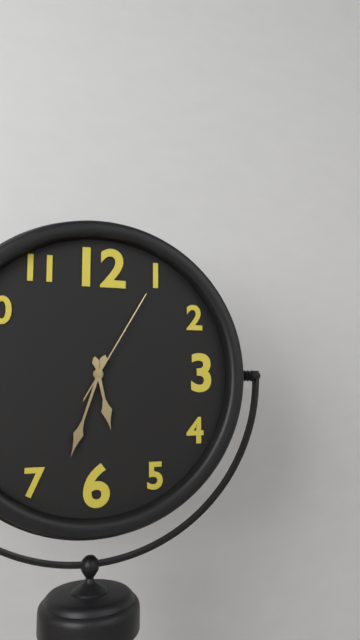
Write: 5:33:05
